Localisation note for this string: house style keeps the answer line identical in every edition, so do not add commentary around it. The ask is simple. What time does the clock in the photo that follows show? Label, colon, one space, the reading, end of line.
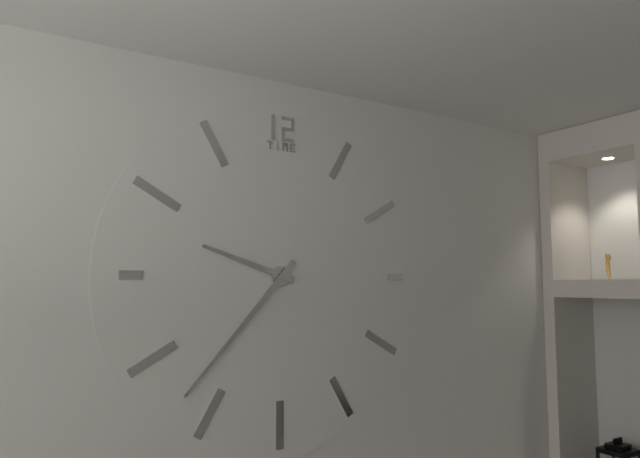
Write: 9:37
